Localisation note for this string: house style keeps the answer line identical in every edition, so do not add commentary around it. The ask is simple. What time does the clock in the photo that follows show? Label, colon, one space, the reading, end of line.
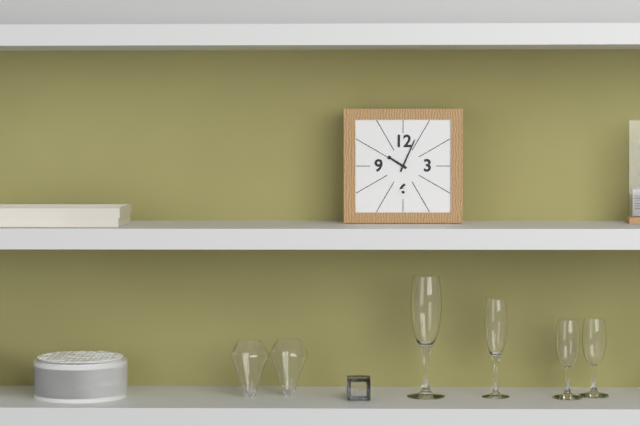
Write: 10:04
